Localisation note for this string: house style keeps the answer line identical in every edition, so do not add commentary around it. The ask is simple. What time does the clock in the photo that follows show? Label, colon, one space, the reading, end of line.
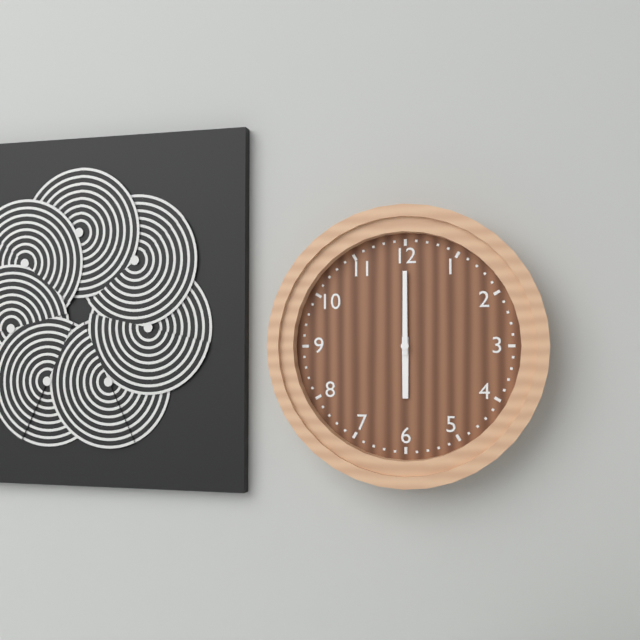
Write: 6:00
